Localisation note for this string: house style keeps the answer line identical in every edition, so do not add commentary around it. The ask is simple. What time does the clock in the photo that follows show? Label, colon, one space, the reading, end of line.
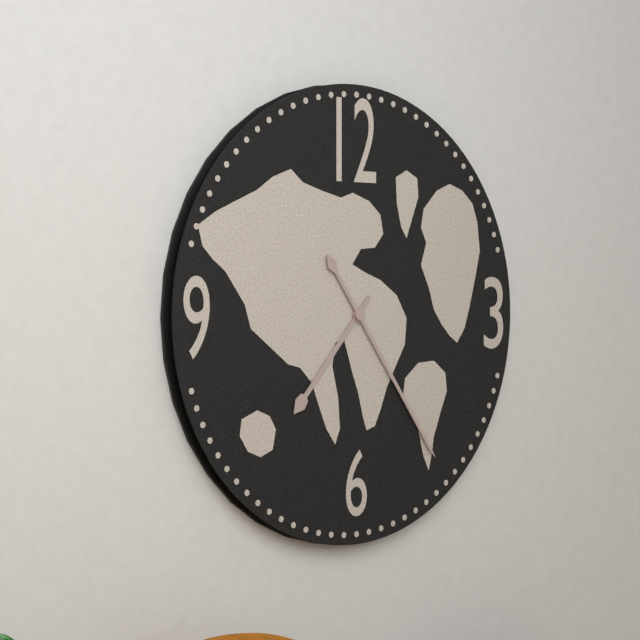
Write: 7:24
